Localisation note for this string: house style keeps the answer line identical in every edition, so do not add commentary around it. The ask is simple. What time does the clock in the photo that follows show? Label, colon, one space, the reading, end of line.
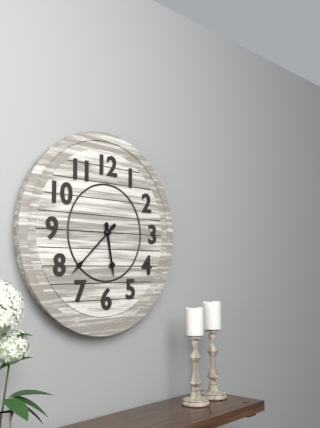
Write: 5:38
